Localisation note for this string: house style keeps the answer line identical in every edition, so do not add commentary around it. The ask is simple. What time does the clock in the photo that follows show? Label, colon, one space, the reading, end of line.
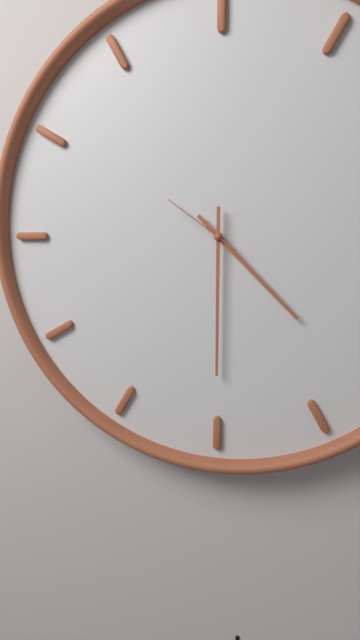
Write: 4:30:51
